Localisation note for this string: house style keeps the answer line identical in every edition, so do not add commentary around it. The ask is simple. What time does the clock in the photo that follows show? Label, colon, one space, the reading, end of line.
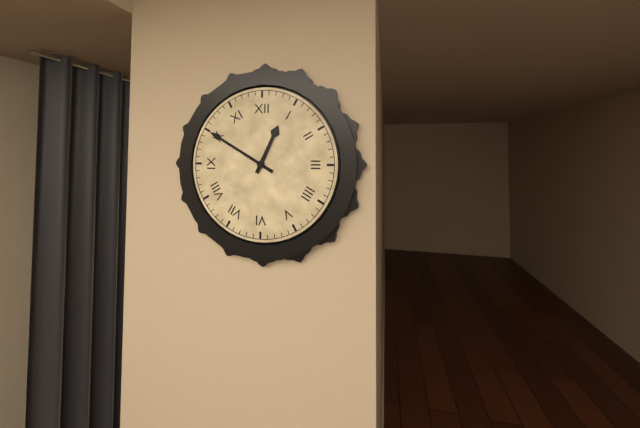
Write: 12:50
